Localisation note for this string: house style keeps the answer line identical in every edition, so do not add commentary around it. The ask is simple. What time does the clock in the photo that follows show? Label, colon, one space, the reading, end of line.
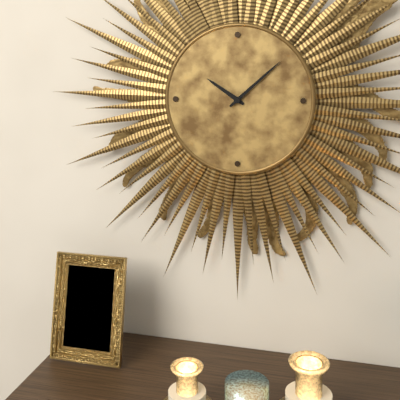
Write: 10:08
